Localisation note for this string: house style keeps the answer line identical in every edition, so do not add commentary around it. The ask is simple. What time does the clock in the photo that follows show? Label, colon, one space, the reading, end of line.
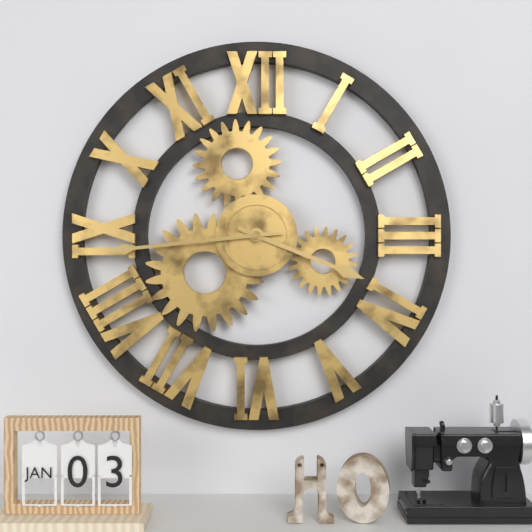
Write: 3:44
